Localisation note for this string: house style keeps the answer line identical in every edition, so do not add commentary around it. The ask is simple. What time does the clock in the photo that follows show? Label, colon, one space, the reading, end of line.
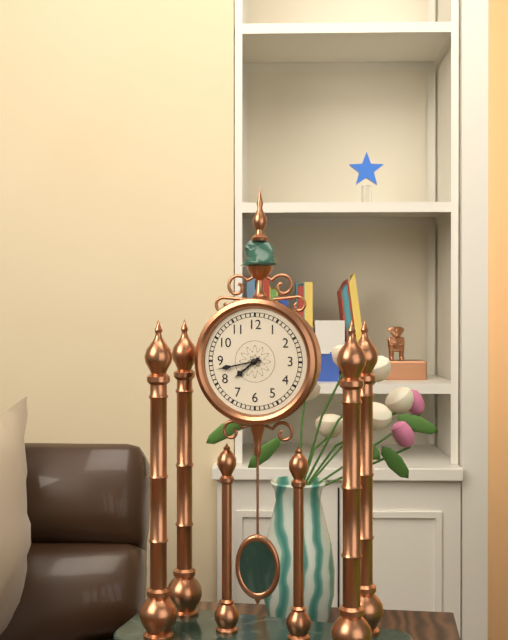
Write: 7:43
